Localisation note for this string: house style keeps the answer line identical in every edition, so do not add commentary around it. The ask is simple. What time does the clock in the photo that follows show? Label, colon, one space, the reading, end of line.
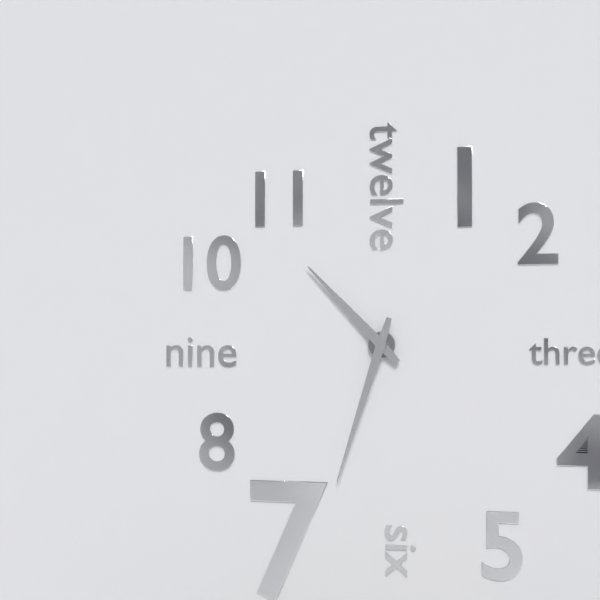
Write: 10:33
